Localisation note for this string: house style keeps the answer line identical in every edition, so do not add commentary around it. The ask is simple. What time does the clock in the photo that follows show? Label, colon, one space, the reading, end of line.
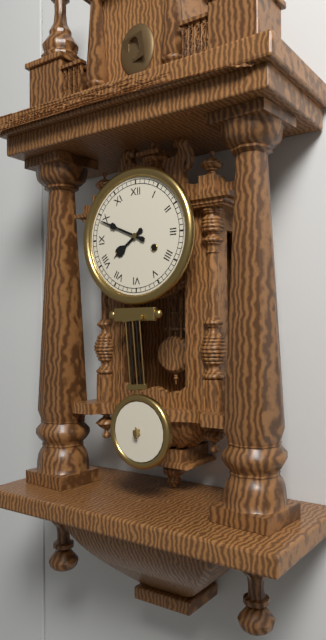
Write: 7:49
